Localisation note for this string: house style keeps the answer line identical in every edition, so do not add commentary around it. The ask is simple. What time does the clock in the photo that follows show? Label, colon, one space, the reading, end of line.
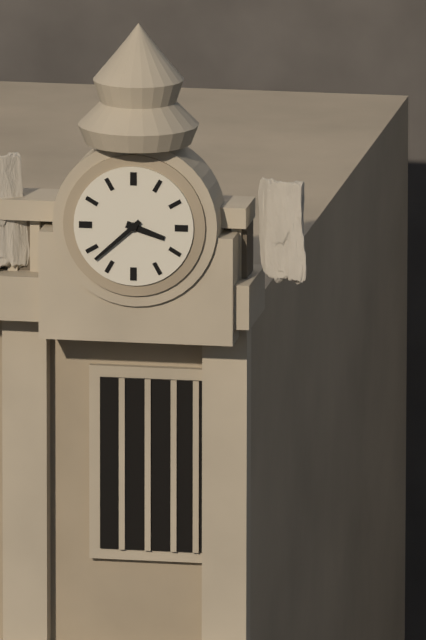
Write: 3:38
